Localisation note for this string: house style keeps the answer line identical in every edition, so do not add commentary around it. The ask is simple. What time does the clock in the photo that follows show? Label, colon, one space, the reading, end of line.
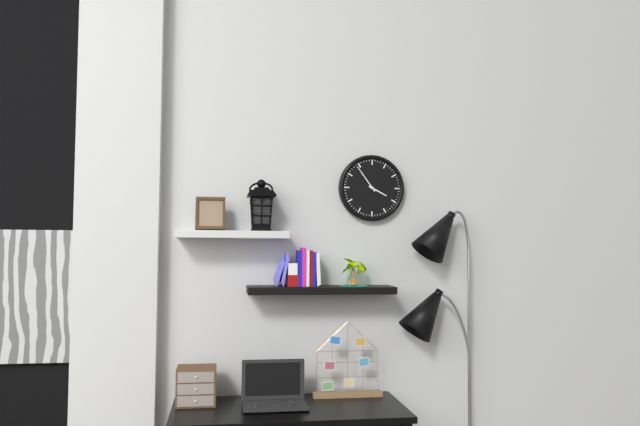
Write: 3:54
